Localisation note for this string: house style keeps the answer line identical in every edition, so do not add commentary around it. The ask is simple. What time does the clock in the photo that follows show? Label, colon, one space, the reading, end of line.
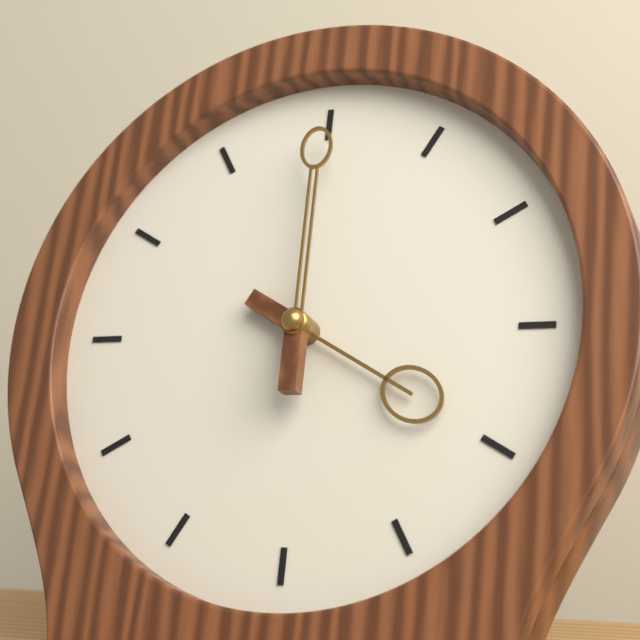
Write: 4:00
